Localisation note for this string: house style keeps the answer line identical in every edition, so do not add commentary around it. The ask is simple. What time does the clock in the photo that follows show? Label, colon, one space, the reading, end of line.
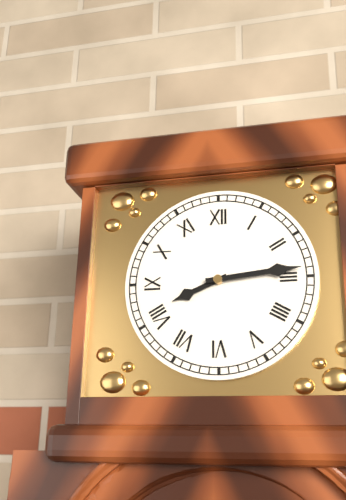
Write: 8:14
